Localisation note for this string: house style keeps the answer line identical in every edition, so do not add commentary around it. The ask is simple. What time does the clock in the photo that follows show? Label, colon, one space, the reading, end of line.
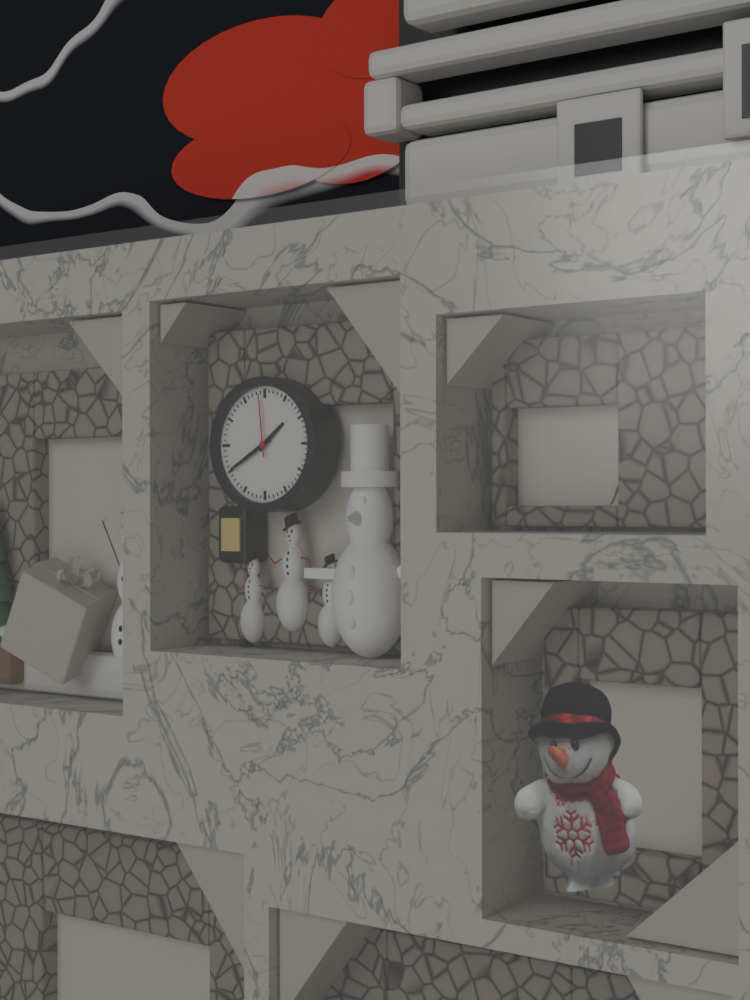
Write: 1:40:59
